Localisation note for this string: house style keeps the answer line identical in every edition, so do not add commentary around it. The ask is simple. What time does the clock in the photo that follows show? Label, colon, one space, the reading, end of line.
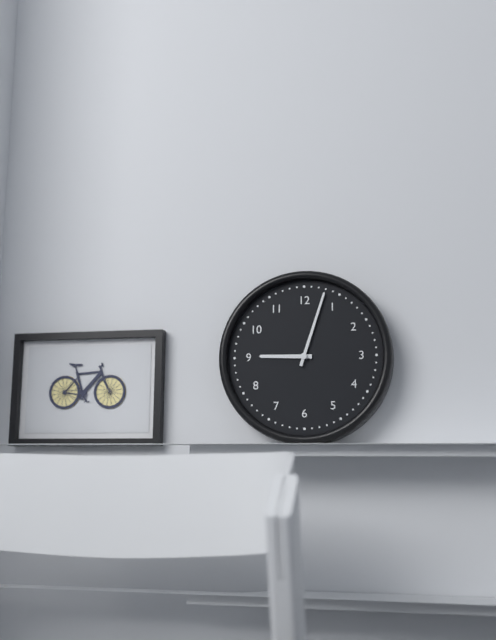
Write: 9:03
